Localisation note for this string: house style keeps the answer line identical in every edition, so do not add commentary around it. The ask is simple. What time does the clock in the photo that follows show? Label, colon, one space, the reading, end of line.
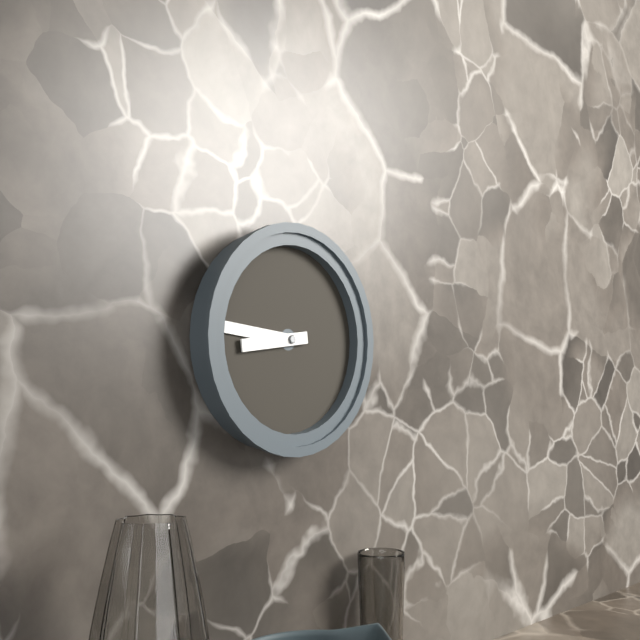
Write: 8:46
